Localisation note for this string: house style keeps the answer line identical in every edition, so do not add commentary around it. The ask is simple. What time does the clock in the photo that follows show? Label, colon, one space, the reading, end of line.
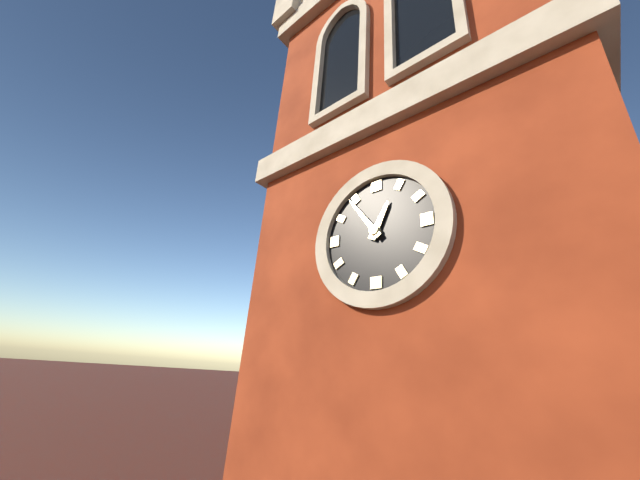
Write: 12:54
